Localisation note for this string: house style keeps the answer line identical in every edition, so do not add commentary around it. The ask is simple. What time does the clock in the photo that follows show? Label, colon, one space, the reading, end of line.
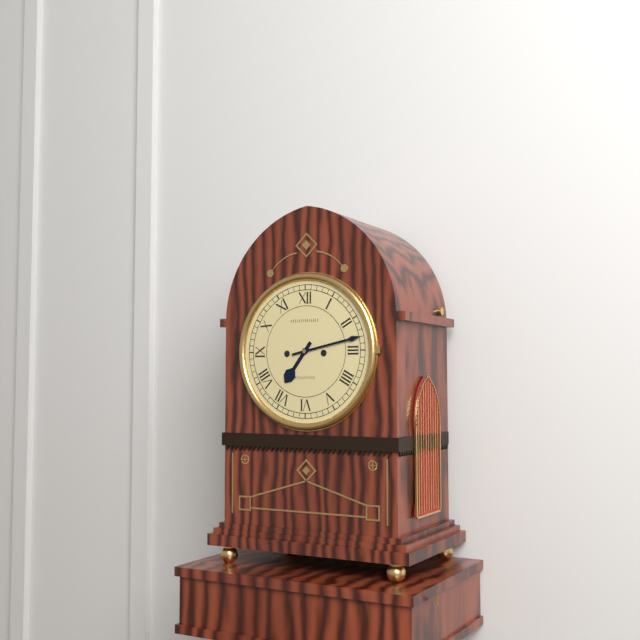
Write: 7:13
